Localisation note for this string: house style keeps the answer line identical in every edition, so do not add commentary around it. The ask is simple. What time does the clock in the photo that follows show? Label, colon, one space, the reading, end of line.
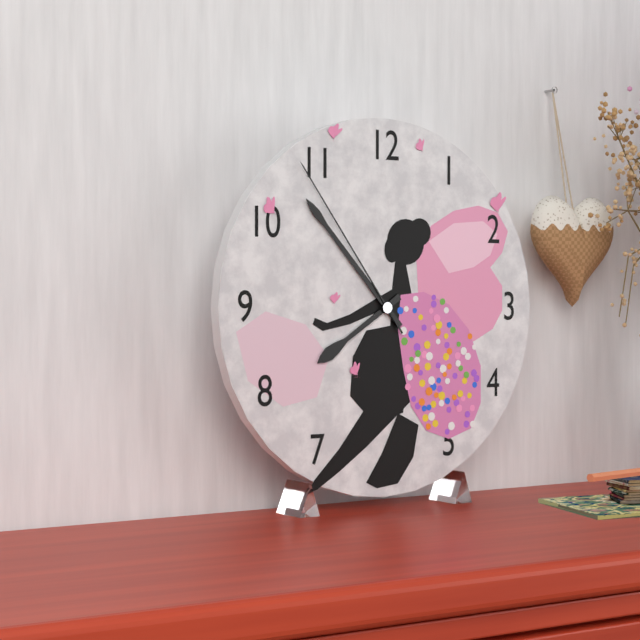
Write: 7:53:54
